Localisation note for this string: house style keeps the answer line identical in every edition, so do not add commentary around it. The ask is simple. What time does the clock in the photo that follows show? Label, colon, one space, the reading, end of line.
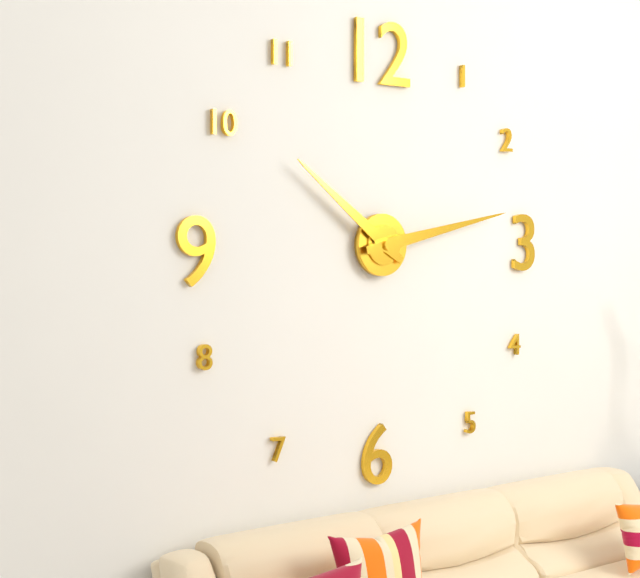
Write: 10:13
